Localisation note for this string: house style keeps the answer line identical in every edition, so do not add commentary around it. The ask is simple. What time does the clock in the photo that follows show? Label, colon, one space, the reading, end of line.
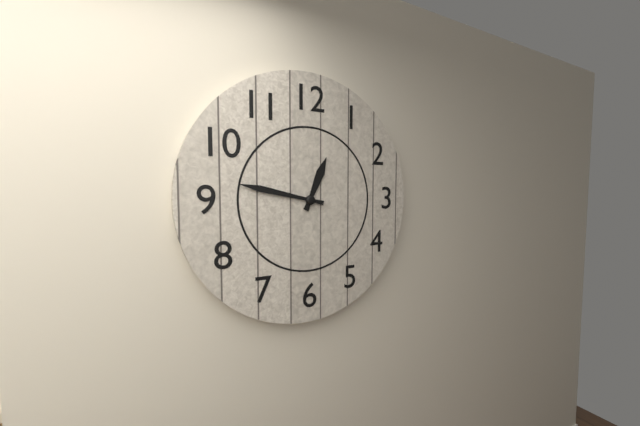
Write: 12:47
